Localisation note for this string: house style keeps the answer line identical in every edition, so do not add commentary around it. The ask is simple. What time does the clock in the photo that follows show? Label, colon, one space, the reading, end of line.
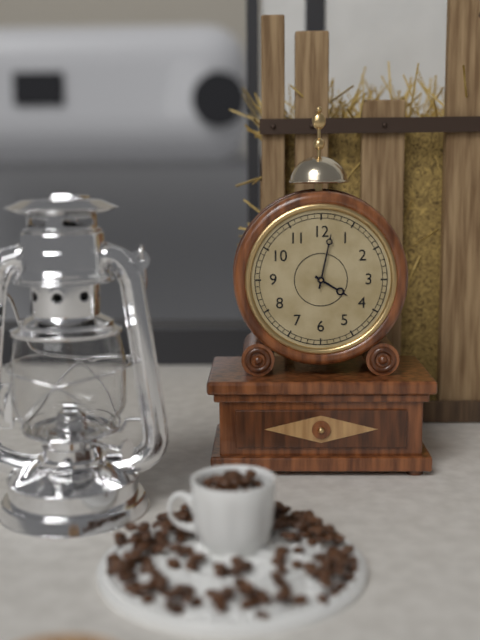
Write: 4:02
